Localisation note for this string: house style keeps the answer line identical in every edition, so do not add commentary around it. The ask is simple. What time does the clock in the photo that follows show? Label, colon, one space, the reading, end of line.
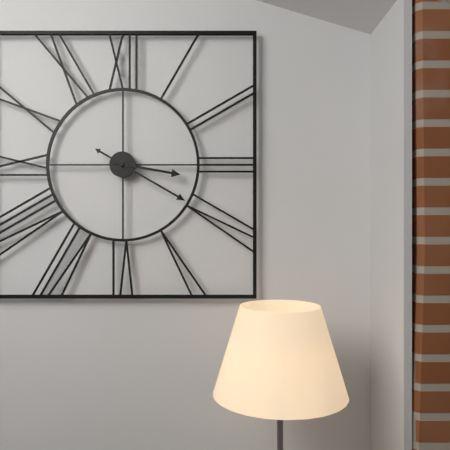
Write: 3:20
